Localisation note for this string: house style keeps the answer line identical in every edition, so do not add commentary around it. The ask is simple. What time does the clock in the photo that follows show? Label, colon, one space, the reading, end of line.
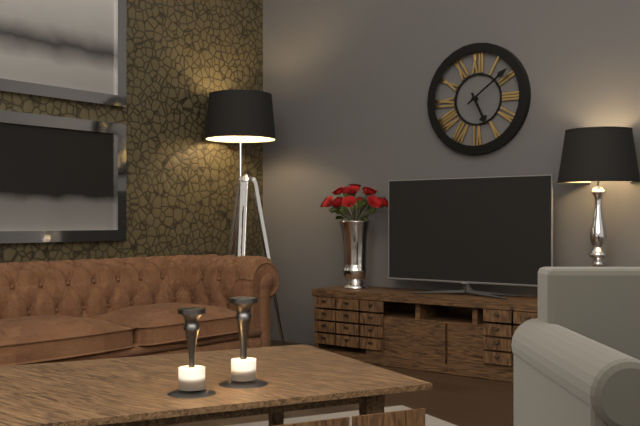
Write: 5:09
